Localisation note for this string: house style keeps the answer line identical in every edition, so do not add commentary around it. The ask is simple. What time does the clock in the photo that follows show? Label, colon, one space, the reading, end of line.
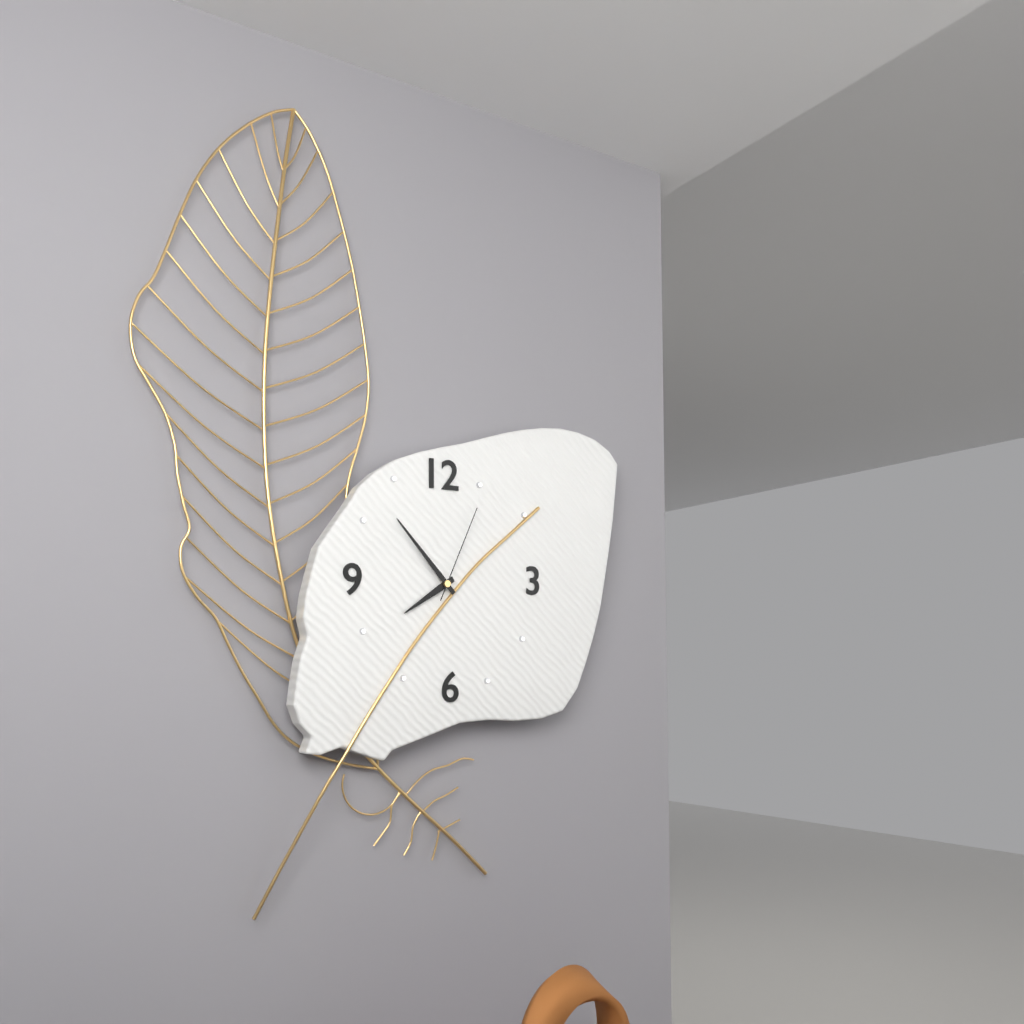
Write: 7:53:04
